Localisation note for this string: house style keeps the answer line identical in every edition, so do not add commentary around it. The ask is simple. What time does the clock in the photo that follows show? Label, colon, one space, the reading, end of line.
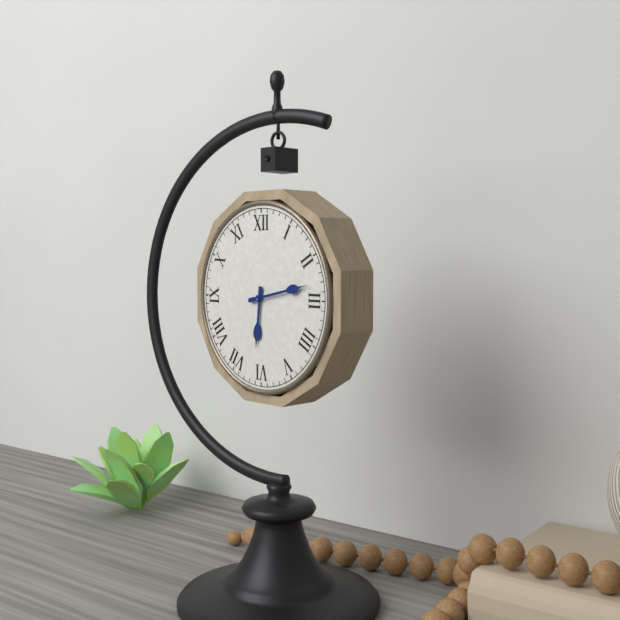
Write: 6:13
